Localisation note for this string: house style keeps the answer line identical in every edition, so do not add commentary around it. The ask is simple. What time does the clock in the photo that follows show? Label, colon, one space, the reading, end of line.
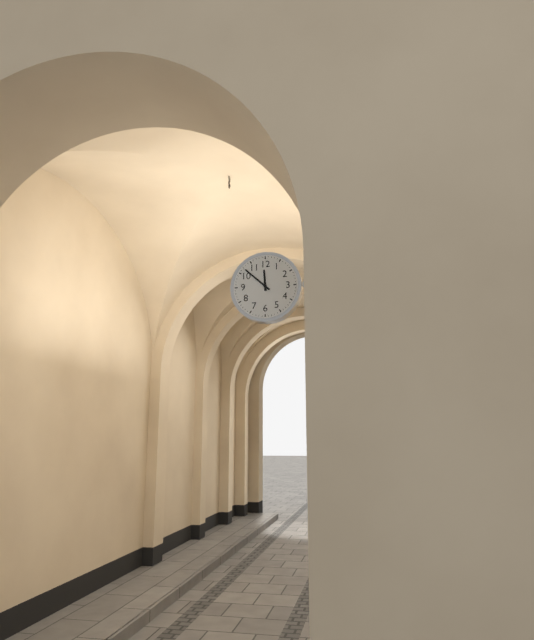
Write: 11:52
